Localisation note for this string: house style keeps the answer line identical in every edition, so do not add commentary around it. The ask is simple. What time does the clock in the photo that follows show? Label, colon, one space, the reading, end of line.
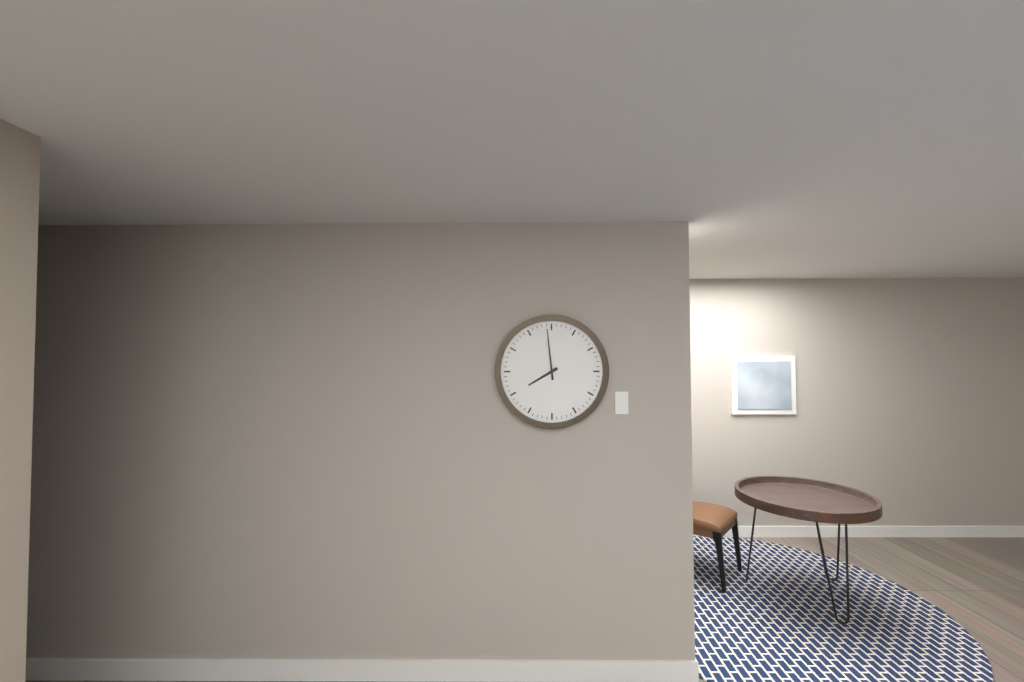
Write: 7:59
